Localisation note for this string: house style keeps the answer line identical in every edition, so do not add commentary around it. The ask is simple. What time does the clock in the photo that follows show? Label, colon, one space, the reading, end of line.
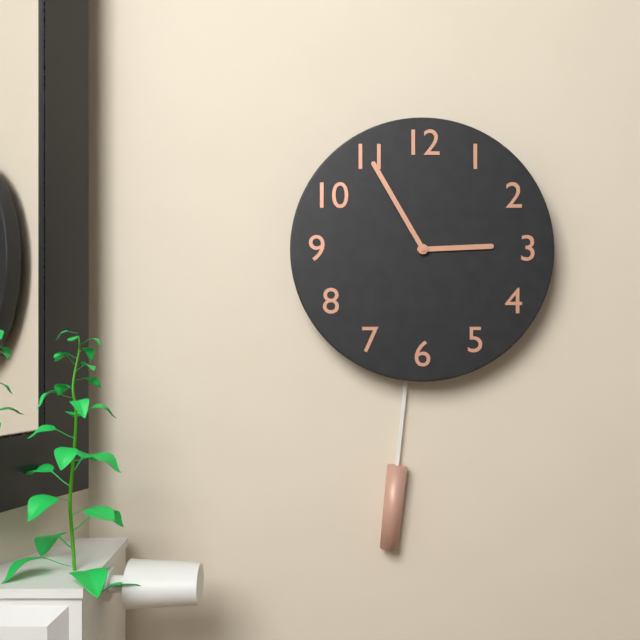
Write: 2:55
